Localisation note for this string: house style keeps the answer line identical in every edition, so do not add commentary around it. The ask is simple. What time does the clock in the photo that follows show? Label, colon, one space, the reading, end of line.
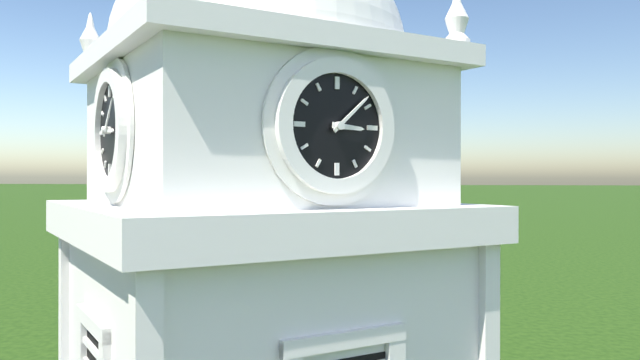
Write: 3:08
